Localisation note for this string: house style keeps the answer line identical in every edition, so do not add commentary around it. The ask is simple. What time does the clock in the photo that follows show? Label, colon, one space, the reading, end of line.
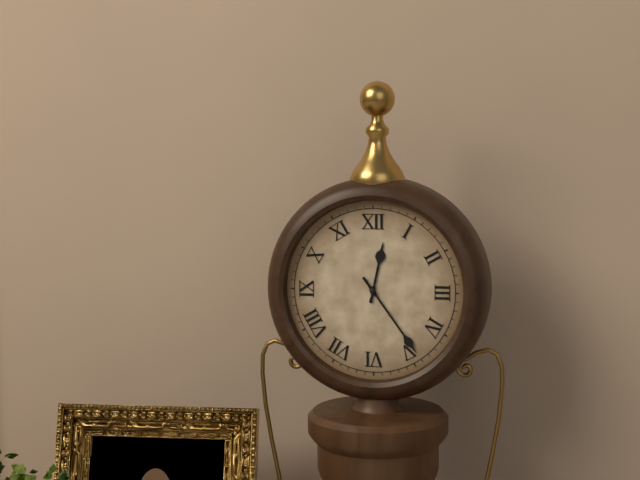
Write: 12:24
